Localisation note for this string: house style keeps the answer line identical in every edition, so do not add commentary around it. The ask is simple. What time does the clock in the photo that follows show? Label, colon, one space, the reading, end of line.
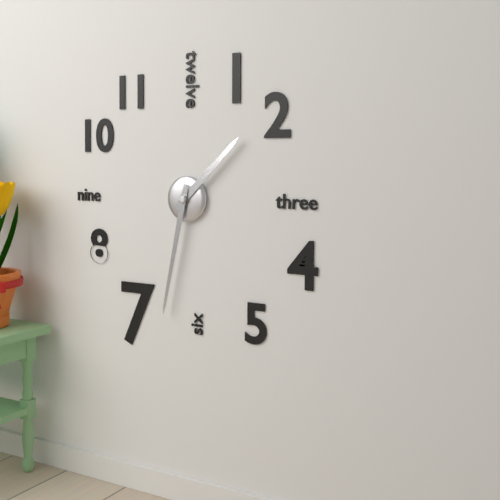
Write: 1:32
